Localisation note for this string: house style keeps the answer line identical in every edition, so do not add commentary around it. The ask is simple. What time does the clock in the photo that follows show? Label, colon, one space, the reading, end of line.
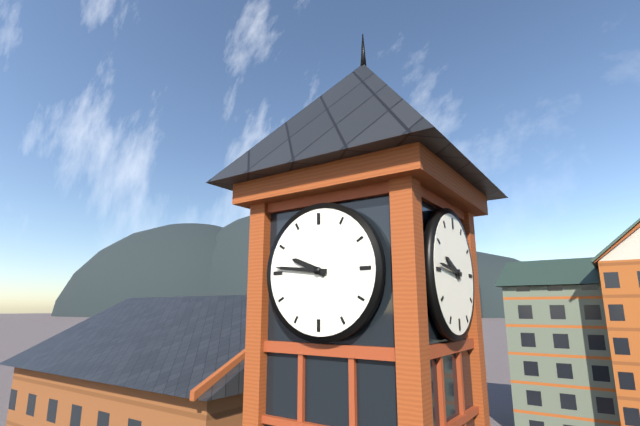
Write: 9:46
